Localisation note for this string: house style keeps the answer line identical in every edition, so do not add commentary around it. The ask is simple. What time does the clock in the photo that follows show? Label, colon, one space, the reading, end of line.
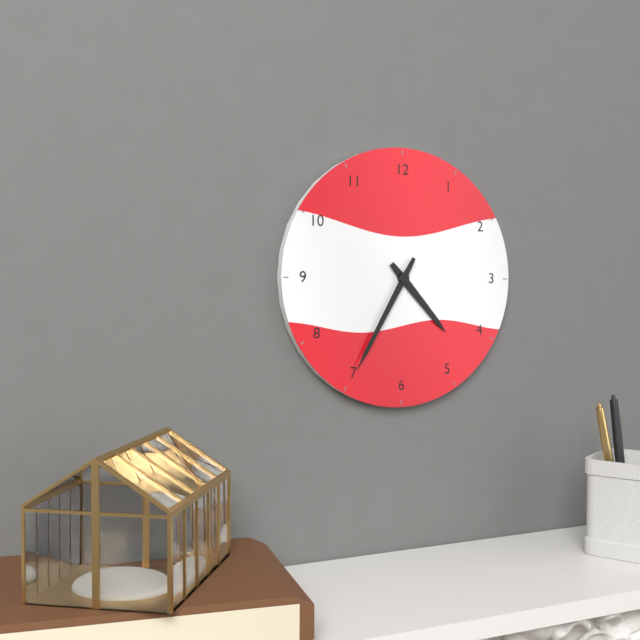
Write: 4:35
